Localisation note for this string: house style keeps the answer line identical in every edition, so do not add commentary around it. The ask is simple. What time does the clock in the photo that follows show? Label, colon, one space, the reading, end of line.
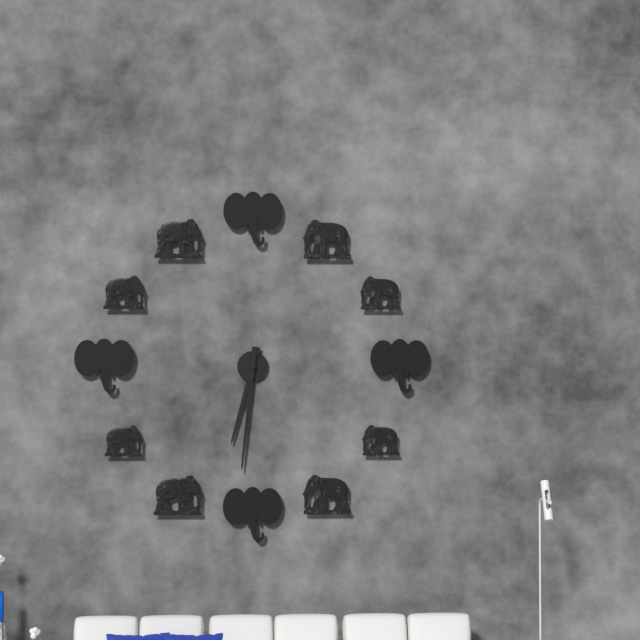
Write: 6:31
